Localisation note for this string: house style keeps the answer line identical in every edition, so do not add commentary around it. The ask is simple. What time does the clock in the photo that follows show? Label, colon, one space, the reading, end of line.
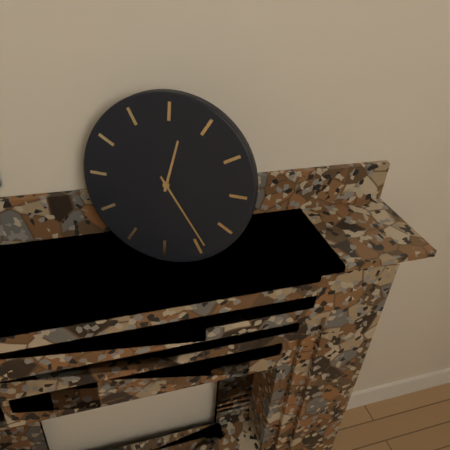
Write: 12:24
